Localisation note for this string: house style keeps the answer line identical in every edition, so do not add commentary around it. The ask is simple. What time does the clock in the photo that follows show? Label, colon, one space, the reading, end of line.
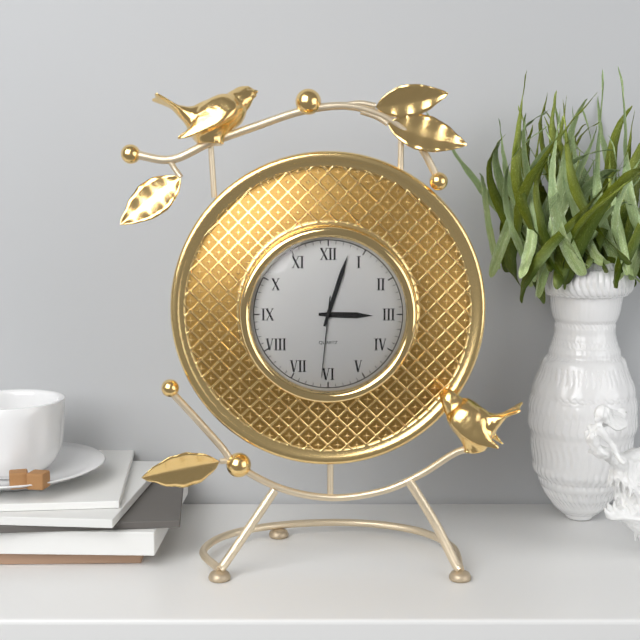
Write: 3:03:31
